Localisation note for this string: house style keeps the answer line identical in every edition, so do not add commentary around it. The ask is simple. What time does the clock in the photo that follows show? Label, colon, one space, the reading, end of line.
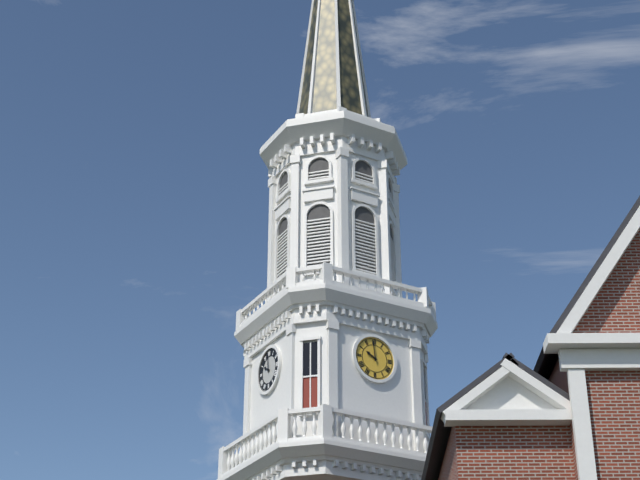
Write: 9:59
